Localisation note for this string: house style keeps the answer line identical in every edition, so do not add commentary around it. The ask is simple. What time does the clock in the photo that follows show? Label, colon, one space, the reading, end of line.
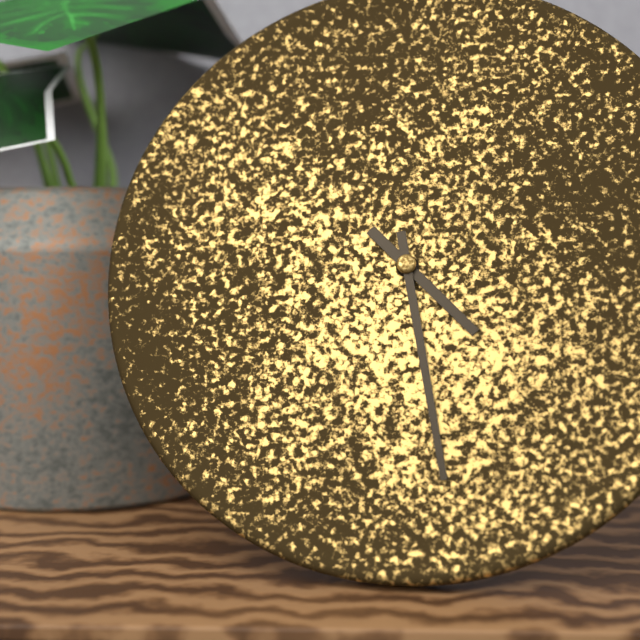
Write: 4:28
